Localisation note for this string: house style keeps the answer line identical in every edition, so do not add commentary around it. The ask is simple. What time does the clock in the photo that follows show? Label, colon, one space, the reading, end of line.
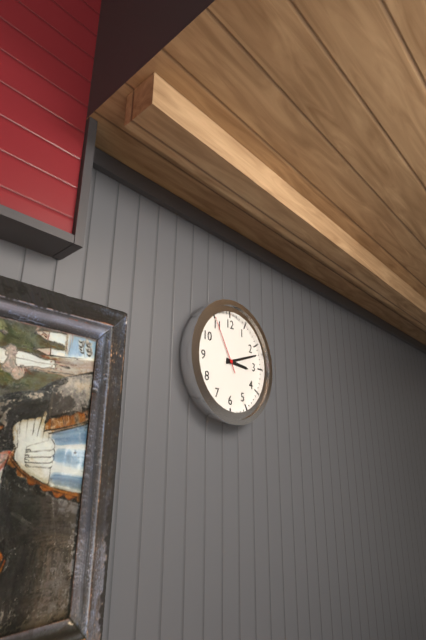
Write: 3:12:55
